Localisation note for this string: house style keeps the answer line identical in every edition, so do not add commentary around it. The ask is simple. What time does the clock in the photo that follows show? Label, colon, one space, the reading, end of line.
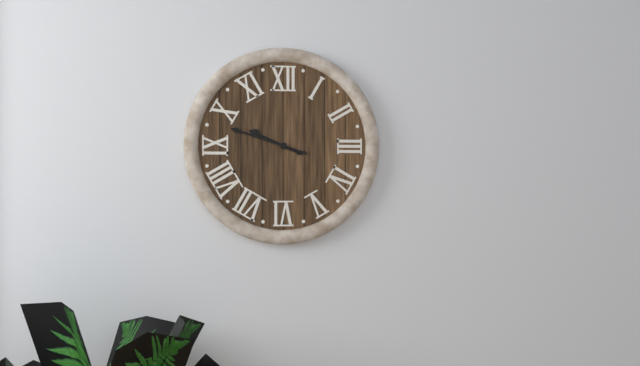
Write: 9:48
